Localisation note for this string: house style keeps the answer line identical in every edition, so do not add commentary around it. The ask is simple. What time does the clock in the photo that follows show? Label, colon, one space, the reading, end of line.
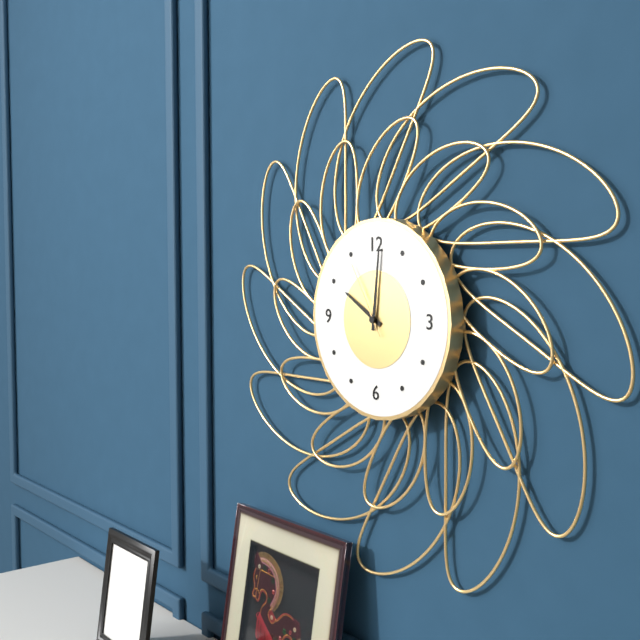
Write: 10:01:55
